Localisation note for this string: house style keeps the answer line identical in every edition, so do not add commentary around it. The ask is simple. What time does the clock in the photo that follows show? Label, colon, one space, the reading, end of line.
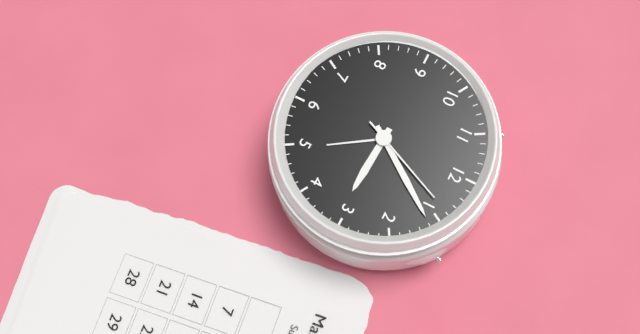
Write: 3:06:04
